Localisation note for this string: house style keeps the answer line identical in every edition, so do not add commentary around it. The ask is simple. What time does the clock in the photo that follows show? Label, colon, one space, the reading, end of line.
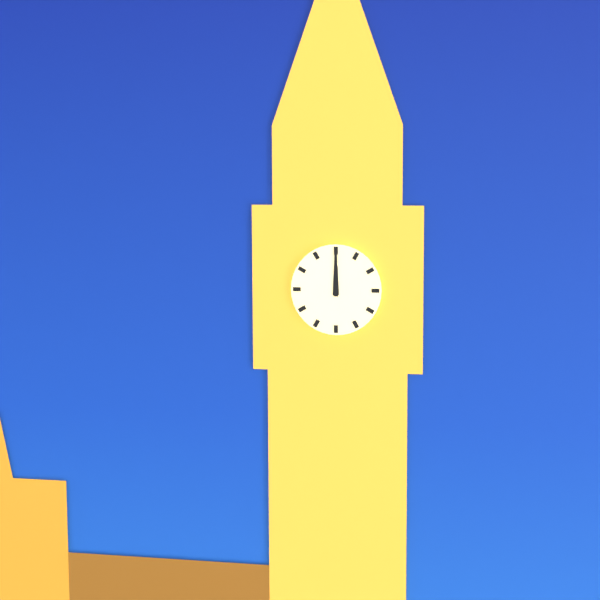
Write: 12:00
